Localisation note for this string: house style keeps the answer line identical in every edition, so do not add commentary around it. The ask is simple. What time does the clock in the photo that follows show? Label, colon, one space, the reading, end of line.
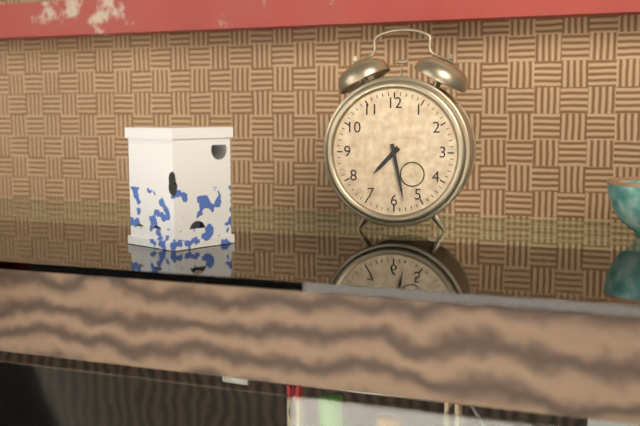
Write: 7:28
